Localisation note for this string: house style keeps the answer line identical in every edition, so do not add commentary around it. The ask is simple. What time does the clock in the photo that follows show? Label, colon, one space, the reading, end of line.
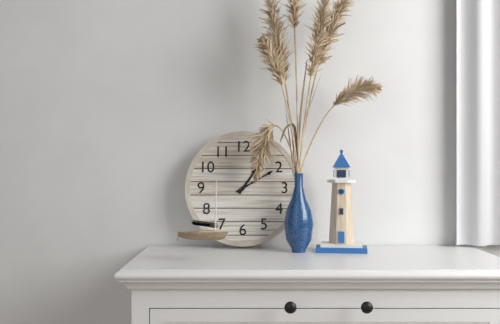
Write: 1:10
